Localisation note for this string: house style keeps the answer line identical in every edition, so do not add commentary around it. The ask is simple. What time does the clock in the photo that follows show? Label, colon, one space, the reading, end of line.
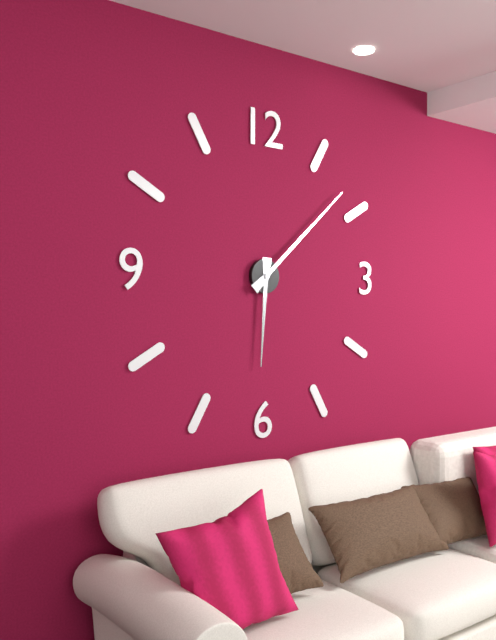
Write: 6:08
